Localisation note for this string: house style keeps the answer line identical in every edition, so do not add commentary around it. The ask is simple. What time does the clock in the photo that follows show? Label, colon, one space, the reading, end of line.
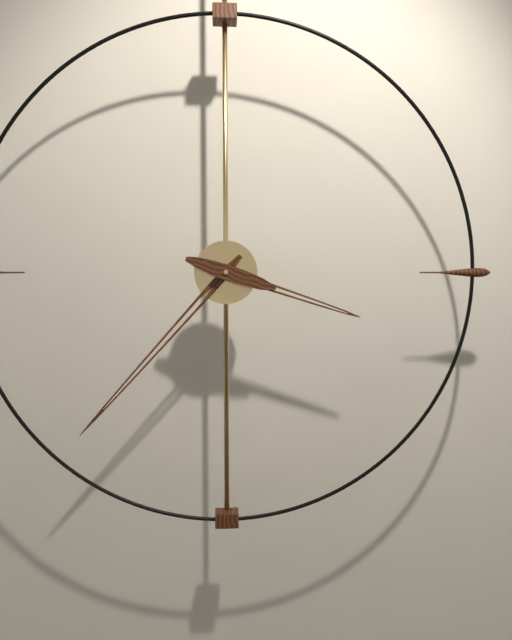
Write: 3:37
